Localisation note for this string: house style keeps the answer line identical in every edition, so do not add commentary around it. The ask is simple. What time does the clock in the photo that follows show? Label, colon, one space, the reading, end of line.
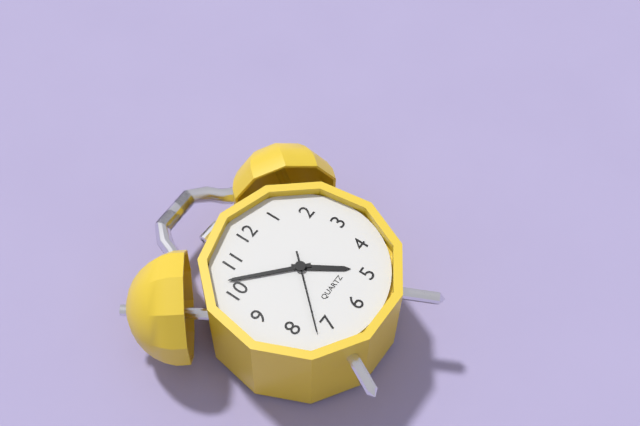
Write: 4:52:37
